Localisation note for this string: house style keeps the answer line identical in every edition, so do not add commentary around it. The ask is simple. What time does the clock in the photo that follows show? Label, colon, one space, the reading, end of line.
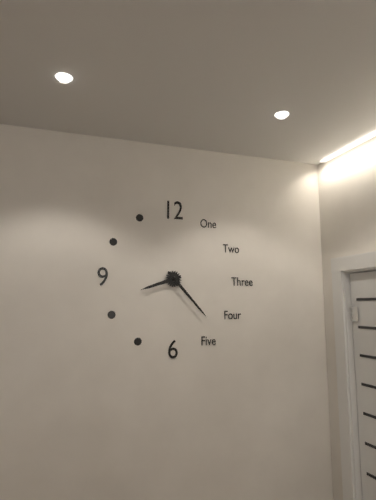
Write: 8:23
